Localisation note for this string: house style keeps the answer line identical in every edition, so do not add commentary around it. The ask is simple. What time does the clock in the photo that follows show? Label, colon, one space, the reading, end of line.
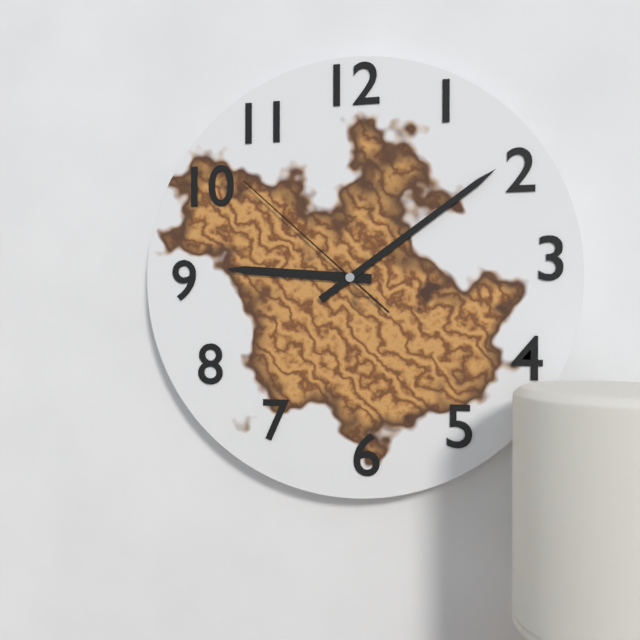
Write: 9:09:52
